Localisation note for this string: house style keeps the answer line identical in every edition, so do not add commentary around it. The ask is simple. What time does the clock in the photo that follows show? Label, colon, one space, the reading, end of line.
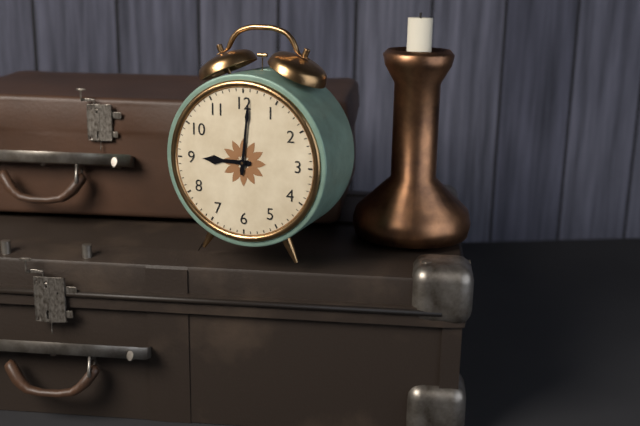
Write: 9:01
